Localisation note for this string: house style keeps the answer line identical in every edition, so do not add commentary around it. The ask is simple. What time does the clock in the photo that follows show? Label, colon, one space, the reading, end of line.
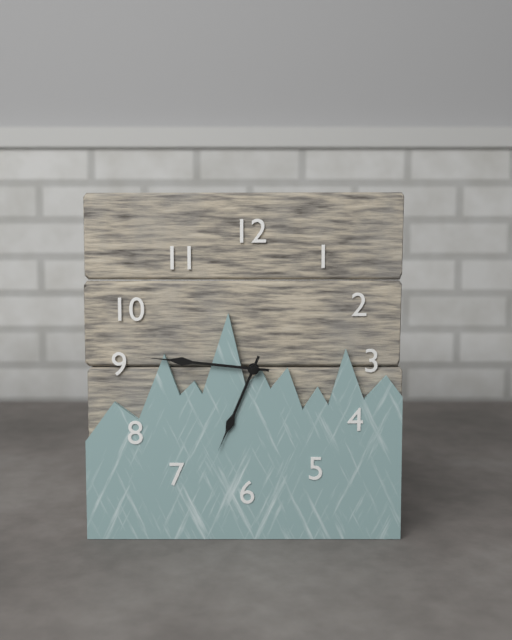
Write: 6:46
